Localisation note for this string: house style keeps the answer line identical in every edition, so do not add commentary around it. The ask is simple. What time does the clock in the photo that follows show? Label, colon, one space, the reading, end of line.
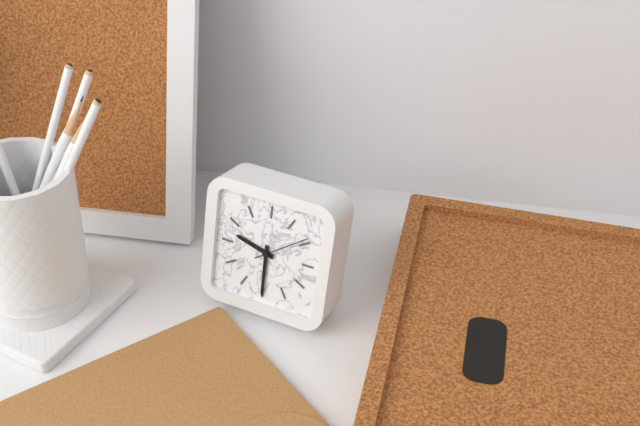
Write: 9:30:09
